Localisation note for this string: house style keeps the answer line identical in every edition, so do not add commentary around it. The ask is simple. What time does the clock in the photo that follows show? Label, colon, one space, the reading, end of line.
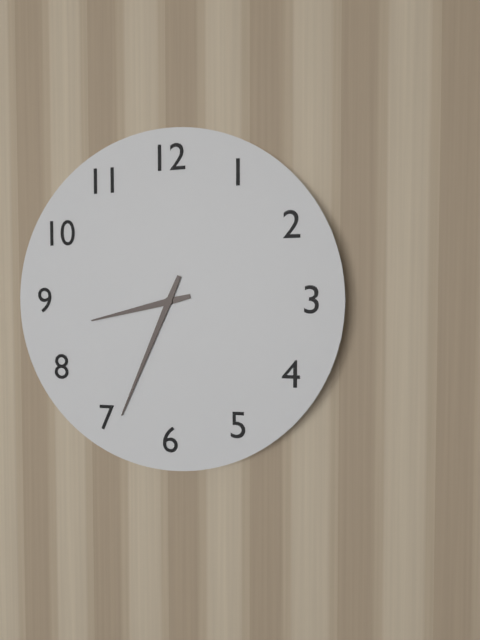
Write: 8:34
